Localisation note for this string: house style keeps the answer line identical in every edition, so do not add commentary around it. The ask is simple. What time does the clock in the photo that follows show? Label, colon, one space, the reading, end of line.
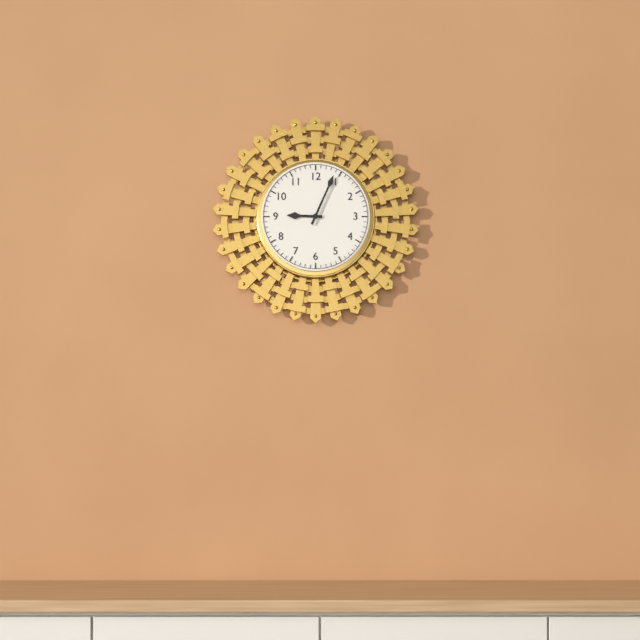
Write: 9:04
